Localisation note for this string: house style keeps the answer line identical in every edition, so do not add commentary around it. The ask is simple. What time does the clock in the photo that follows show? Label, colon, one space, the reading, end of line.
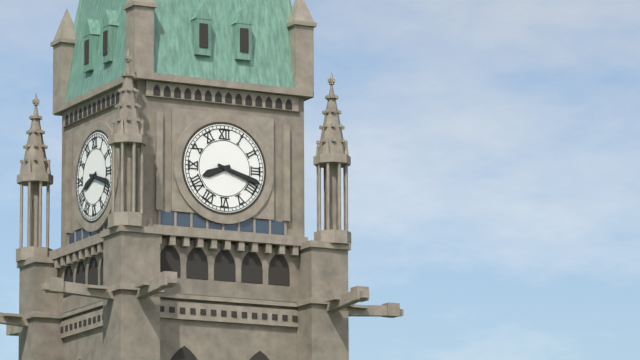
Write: 8:18
